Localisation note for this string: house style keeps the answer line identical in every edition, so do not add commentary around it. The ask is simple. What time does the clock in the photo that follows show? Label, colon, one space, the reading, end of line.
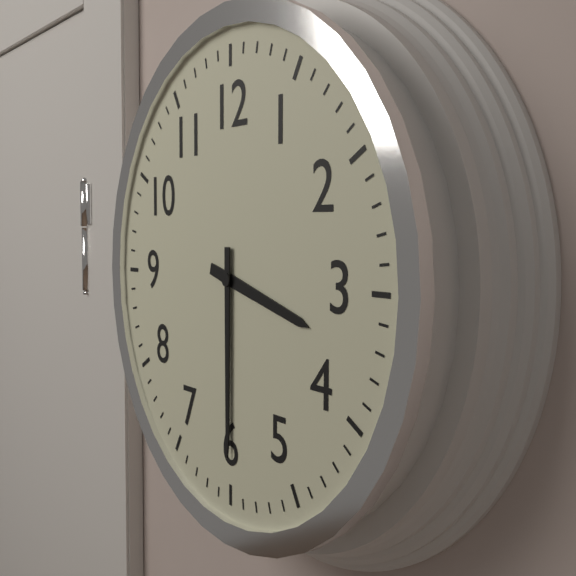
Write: 3:30
